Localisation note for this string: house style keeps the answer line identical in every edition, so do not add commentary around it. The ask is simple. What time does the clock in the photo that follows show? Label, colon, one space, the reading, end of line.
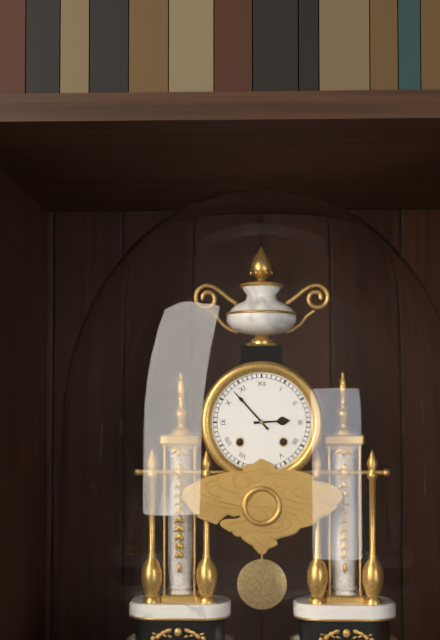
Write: 2:53
